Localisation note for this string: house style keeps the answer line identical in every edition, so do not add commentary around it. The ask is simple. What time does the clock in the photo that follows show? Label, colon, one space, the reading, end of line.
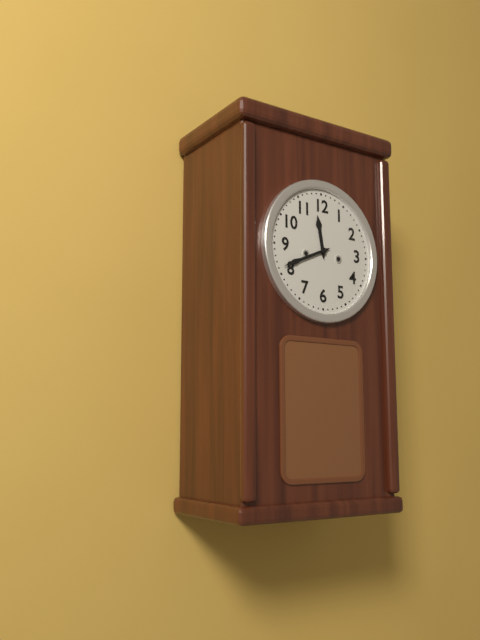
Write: 11:41
